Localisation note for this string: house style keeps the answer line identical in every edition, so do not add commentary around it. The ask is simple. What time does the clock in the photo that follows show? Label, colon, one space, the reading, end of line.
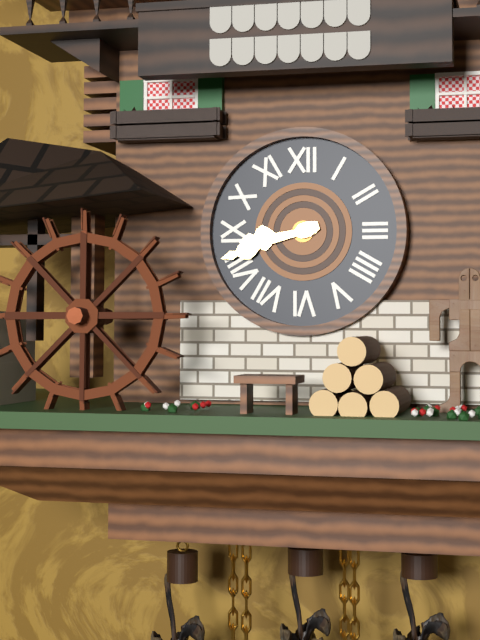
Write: 8:42
